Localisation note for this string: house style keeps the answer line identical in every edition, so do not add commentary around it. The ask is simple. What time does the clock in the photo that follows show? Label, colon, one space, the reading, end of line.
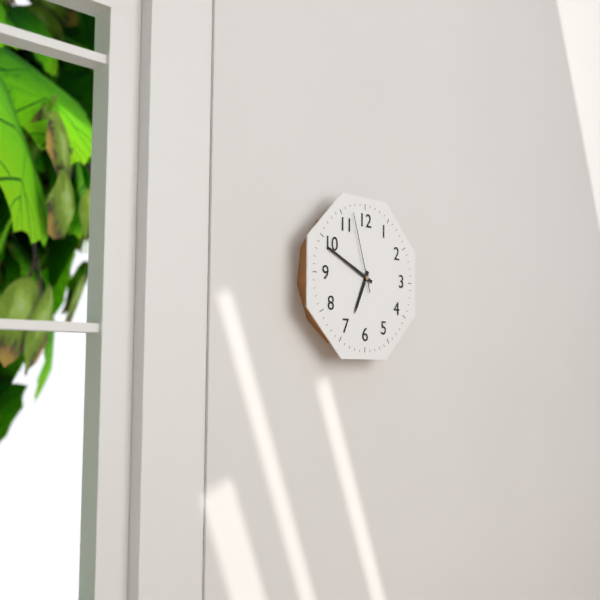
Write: 6:49:57
